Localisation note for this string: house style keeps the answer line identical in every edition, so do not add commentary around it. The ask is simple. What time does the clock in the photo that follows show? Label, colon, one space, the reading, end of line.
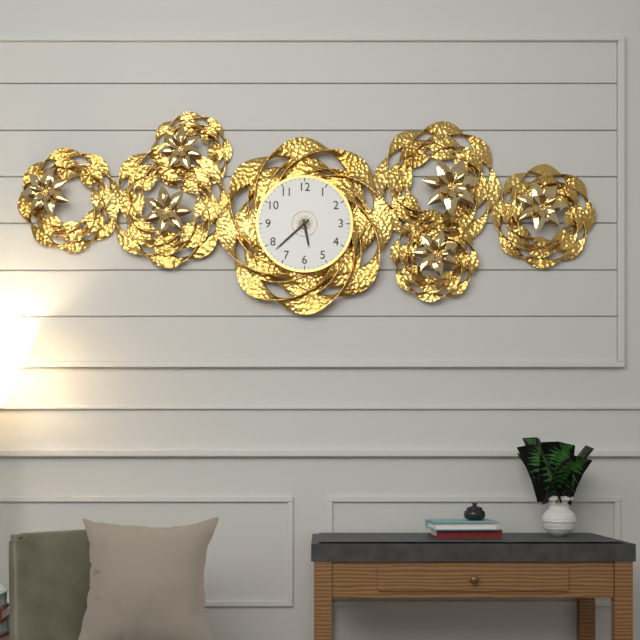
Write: 5:38
